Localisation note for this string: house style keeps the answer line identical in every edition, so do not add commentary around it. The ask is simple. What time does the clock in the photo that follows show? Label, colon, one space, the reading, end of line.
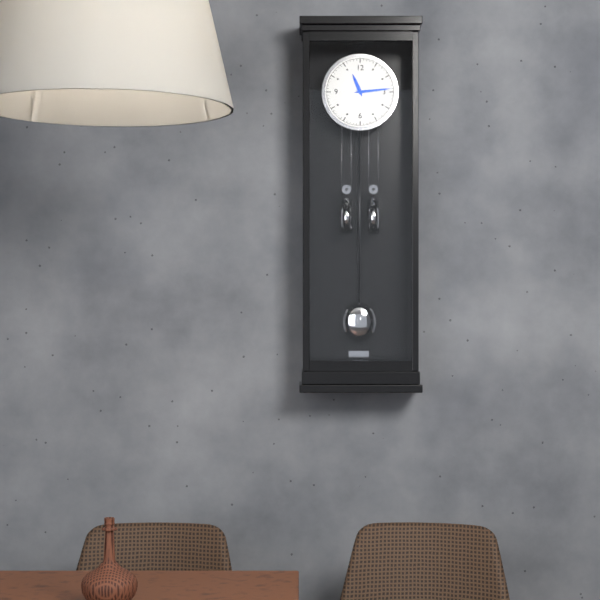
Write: 11:14
